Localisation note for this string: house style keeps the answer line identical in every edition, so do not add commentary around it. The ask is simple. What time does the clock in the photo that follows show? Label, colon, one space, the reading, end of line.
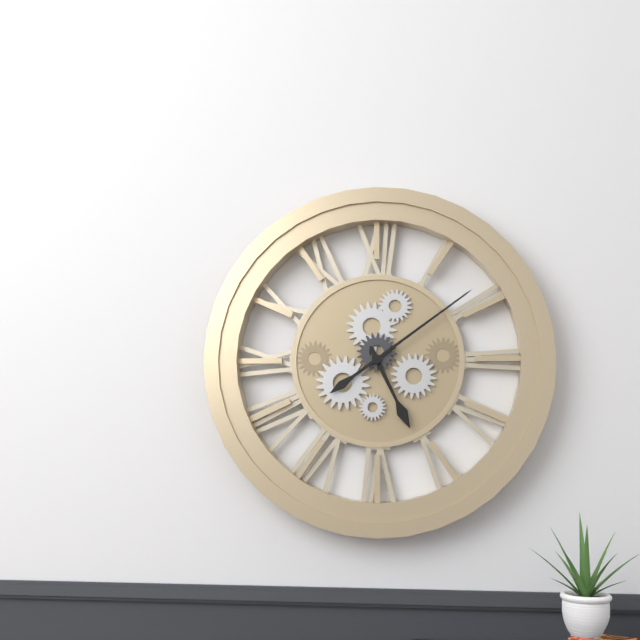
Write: 5:09
